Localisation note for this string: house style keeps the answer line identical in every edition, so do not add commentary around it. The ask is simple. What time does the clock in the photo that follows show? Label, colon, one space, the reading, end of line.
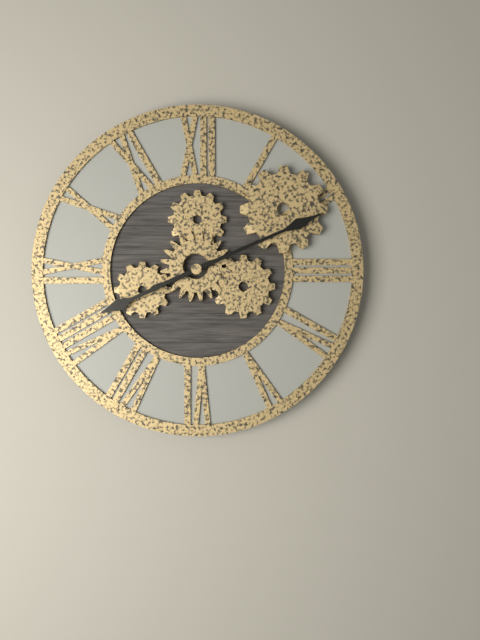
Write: 8:11
